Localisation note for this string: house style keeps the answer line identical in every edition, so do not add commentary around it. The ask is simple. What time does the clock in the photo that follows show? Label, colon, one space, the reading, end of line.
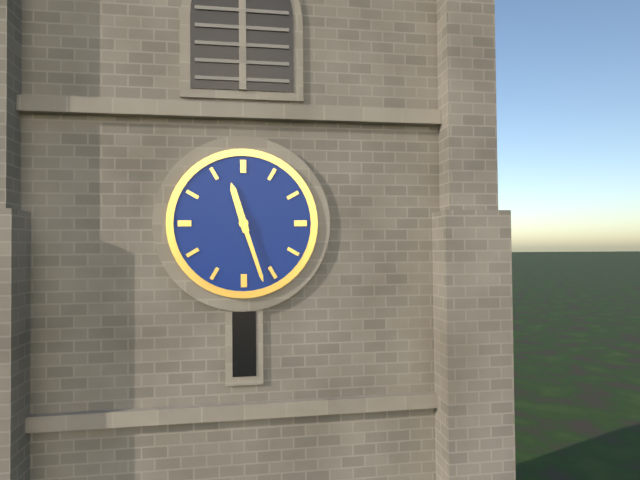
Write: 11:27
